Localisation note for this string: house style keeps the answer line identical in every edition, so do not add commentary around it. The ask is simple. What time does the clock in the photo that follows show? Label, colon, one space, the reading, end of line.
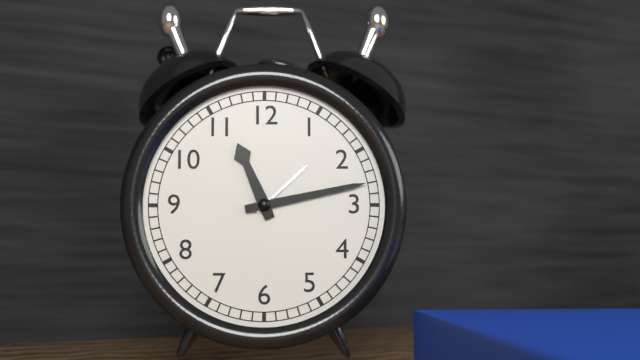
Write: 11:13
